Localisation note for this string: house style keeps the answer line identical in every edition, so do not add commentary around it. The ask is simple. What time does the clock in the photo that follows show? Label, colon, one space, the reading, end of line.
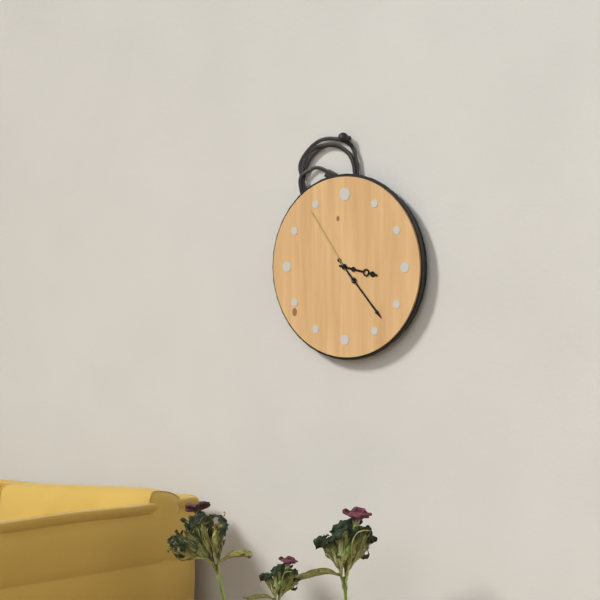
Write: 3:23:54
